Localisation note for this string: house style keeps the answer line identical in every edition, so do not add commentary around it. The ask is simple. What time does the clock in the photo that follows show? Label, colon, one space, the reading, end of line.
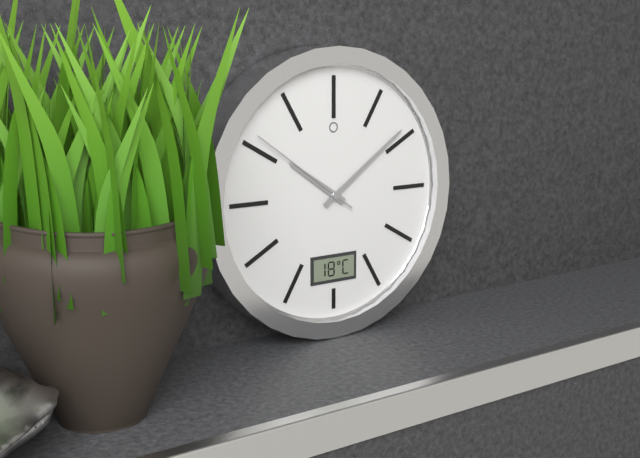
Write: 10:09:51
